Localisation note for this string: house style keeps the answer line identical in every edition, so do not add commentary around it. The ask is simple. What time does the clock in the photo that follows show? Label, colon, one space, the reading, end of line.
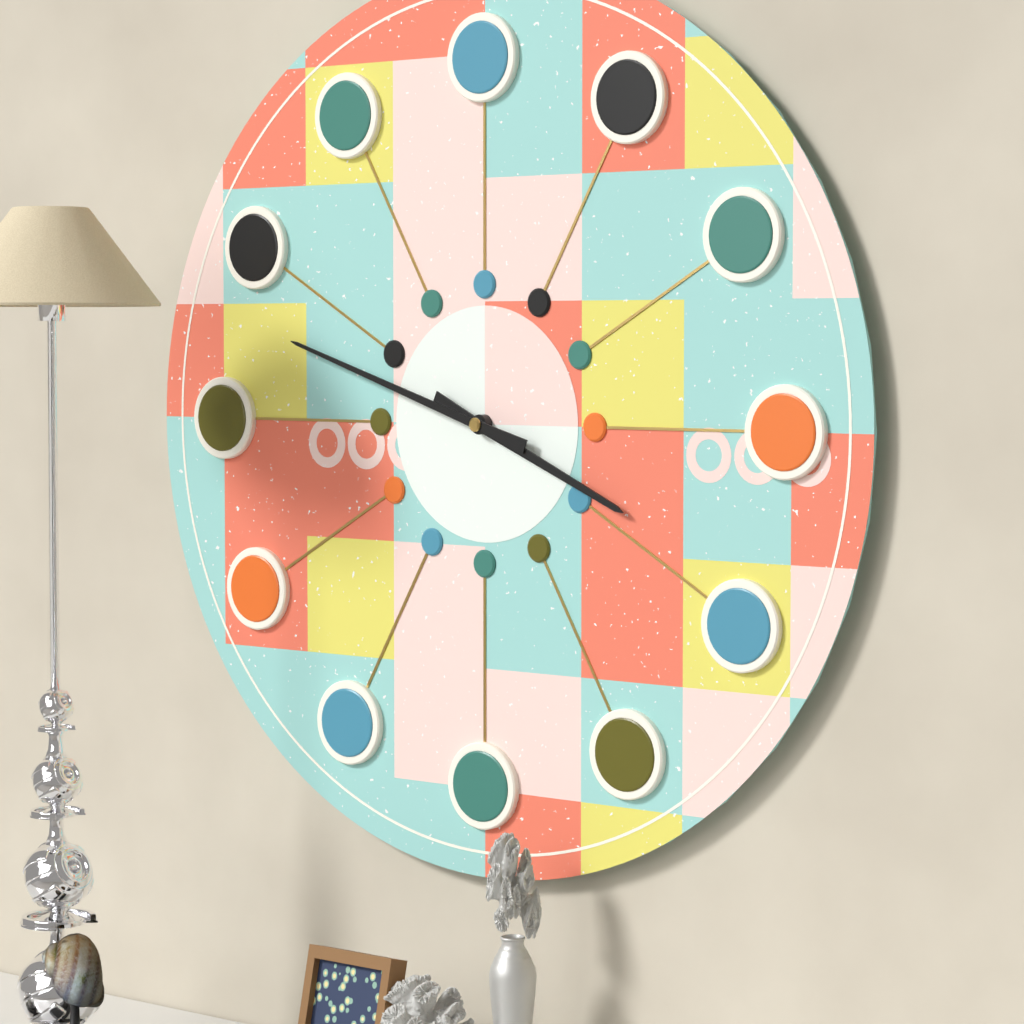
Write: 3:48
